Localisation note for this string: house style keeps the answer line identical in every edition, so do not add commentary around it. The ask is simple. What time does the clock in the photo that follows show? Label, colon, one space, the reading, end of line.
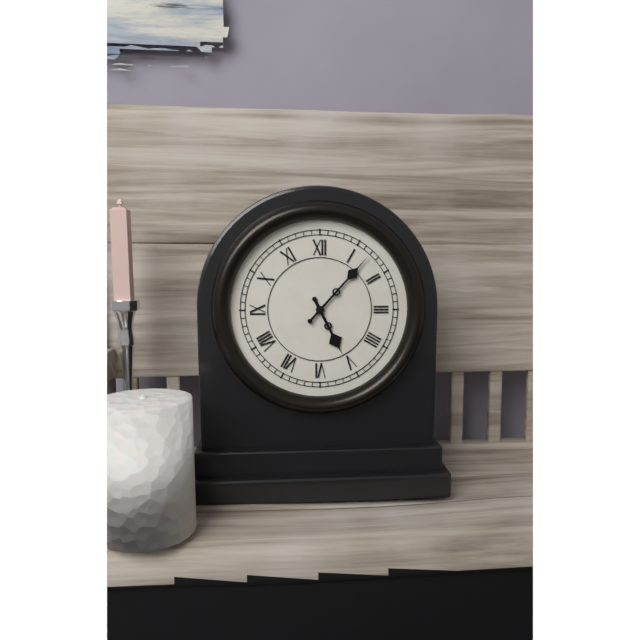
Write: 5:07
